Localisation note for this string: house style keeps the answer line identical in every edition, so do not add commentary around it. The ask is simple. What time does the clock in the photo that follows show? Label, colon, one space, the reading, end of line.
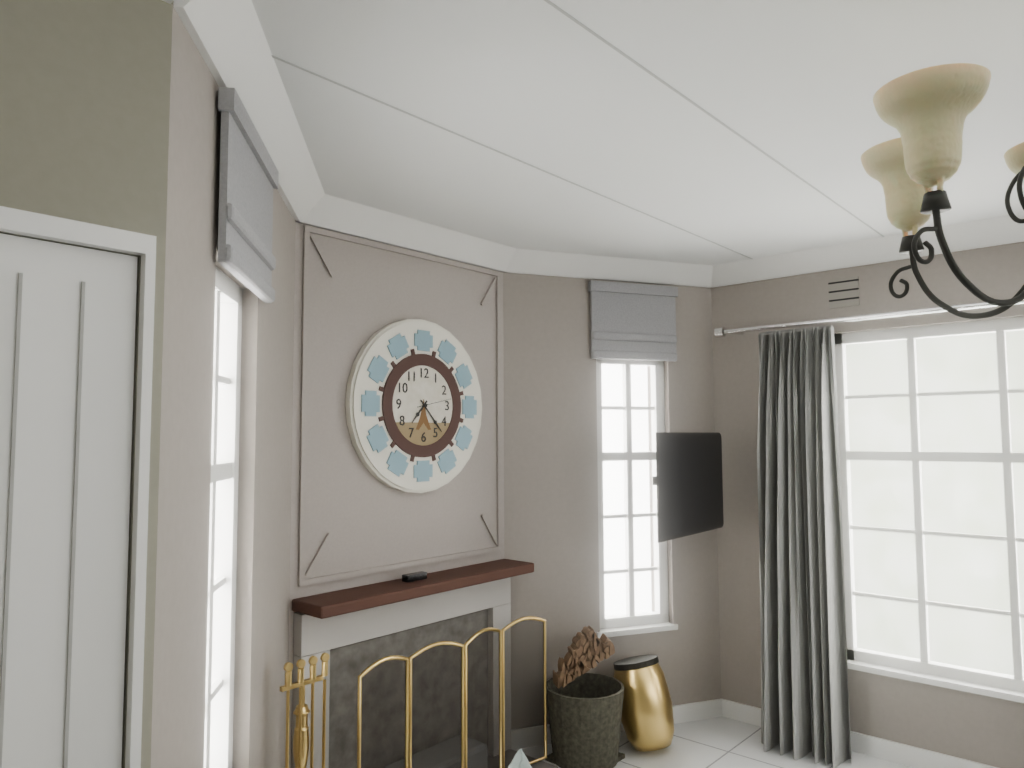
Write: 7:23
